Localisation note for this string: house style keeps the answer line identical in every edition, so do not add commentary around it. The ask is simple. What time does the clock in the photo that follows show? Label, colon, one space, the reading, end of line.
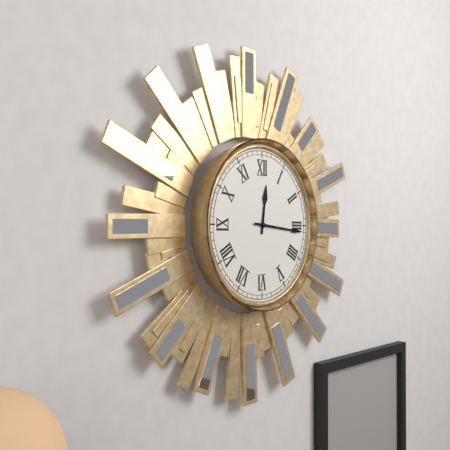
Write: 12:16
